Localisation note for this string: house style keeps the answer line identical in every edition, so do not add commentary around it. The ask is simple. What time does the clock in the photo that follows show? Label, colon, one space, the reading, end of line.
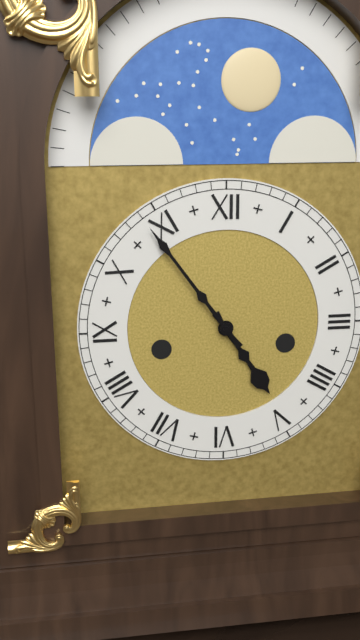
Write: 4:54
